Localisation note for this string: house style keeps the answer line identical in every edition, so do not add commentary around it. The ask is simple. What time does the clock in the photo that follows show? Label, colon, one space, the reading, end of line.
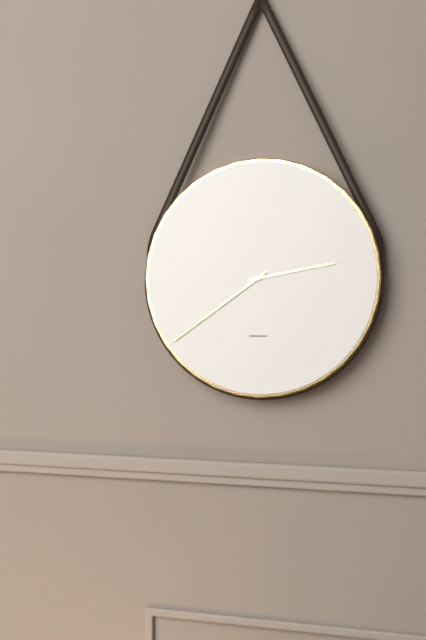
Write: 2:39
